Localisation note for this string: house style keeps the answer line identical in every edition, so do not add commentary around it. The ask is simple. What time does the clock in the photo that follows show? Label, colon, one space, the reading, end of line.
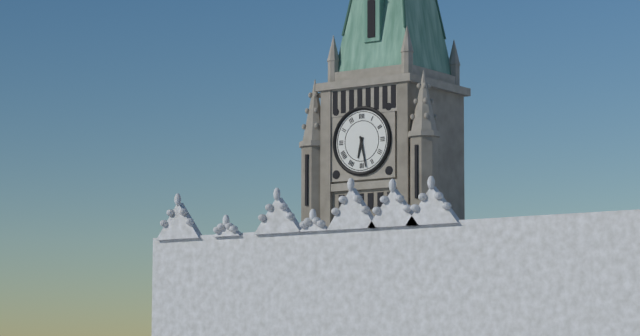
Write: 6:28
